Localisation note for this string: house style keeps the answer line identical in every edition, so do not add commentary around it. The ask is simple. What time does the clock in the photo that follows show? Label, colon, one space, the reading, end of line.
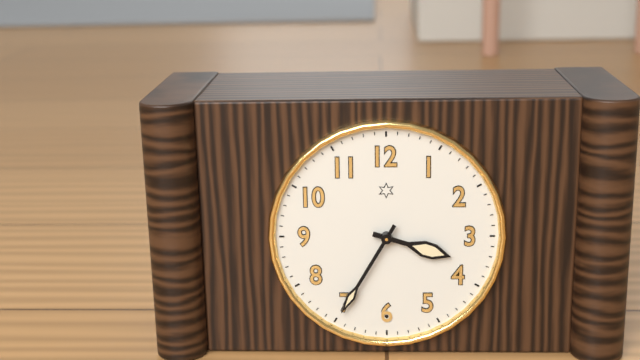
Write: 3:35
